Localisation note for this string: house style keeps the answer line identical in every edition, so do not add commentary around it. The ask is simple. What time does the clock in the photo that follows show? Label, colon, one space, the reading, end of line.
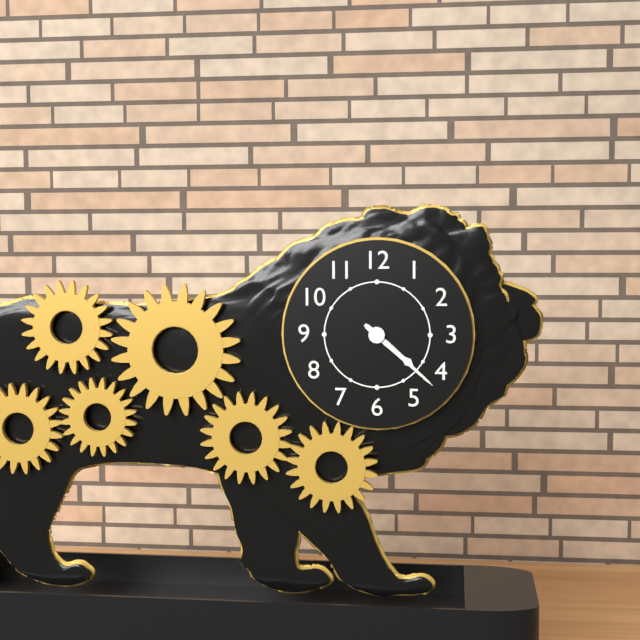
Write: 4:22
